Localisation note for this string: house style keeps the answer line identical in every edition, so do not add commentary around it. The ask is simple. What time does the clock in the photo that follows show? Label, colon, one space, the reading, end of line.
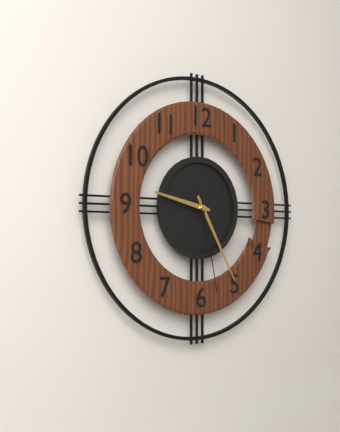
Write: 9:25:28
